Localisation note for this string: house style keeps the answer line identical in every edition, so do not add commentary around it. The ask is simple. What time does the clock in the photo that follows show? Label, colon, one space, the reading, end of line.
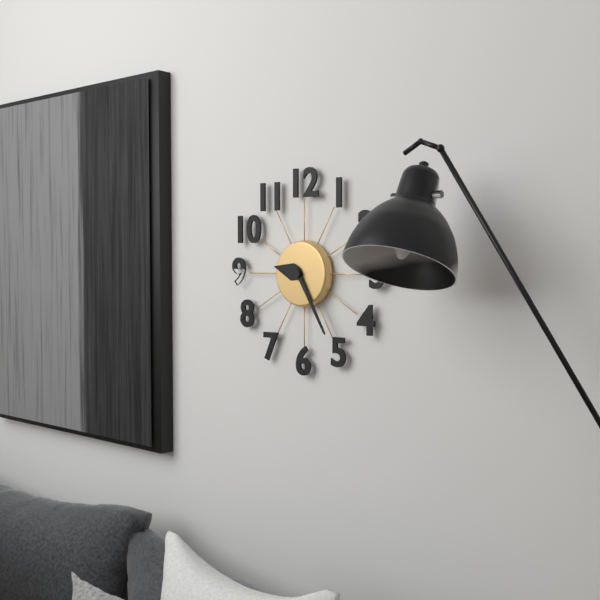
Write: 9:25
